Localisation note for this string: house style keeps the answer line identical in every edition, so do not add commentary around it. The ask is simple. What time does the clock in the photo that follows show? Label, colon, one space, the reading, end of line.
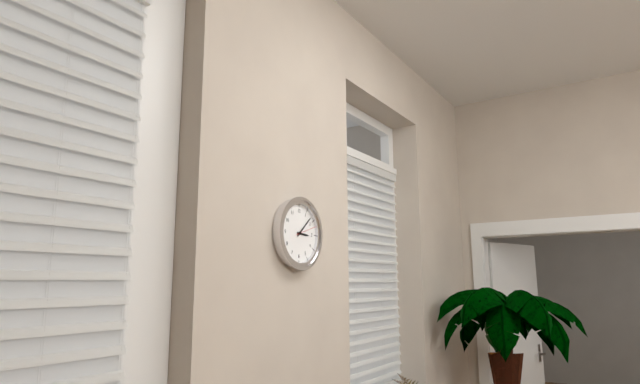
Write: 3:08
